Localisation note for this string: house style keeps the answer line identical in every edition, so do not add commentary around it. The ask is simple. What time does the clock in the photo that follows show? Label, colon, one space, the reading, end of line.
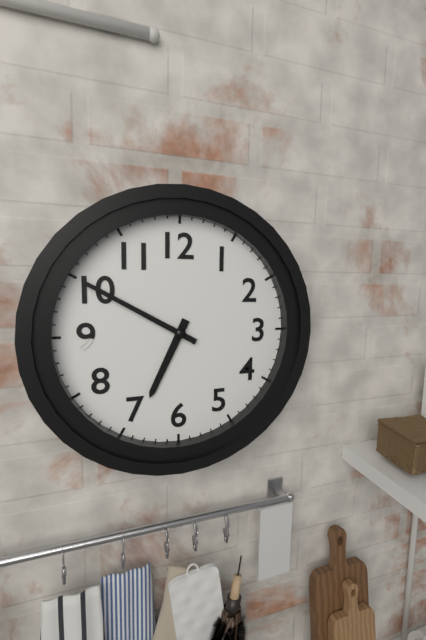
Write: 6:50
